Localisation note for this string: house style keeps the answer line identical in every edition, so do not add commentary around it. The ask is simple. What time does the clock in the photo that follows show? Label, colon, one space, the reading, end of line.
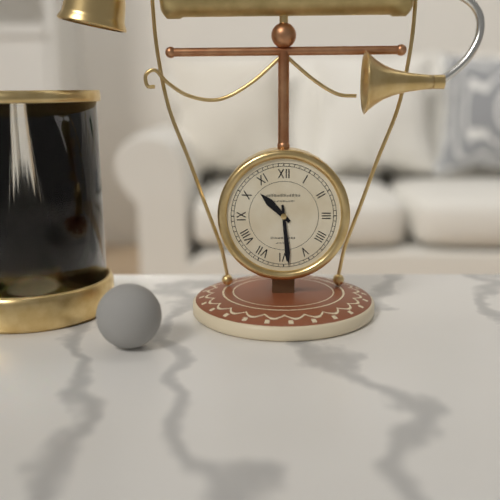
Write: 10:29
